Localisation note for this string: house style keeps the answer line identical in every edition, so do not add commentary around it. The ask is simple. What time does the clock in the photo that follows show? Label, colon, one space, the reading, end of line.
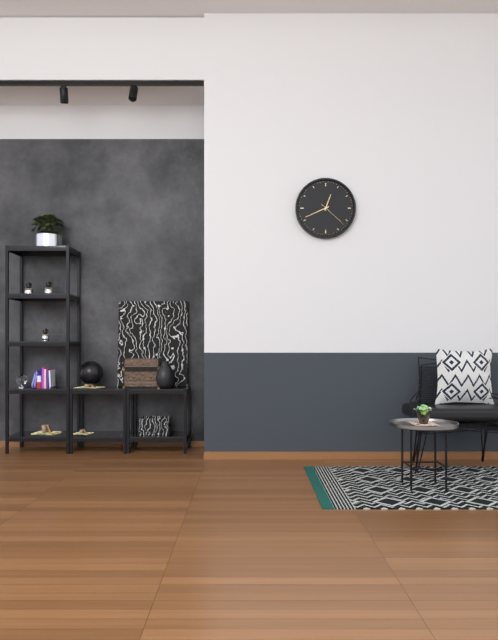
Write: 12:41
